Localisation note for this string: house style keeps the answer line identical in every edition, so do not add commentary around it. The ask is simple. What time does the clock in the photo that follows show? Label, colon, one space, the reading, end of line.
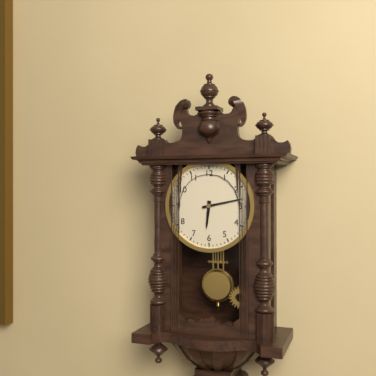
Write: 6:13
